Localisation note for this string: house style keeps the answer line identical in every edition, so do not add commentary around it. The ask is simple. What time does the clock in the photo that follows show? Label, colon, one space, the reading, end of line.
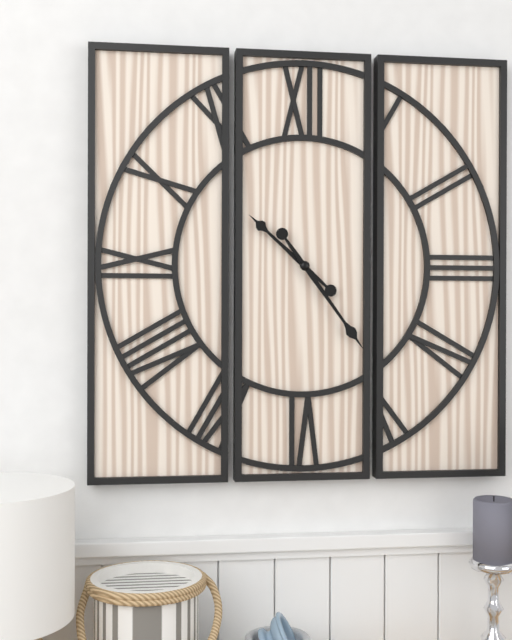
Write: 10:24
